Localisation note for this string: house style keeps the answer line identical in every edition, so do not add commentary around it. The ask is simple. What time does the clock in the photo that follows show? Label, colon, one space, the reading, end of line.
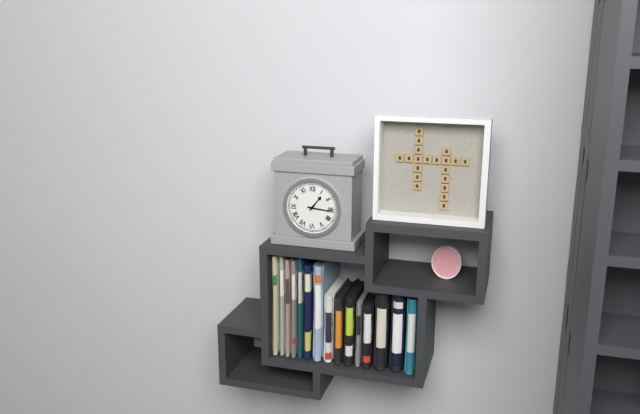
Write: 1:16
